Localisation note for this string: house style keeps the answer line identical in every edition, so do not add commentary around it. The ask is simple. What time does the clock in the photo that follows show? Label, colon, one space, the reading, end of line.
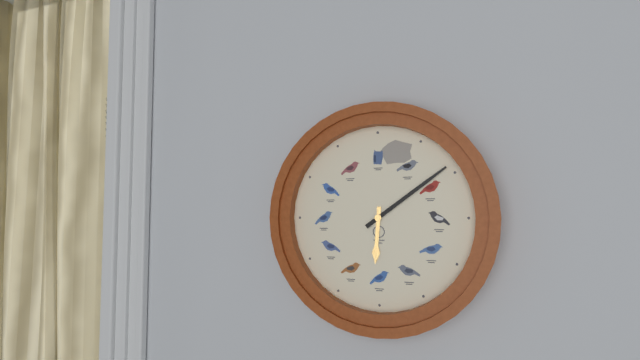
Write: 6:09
